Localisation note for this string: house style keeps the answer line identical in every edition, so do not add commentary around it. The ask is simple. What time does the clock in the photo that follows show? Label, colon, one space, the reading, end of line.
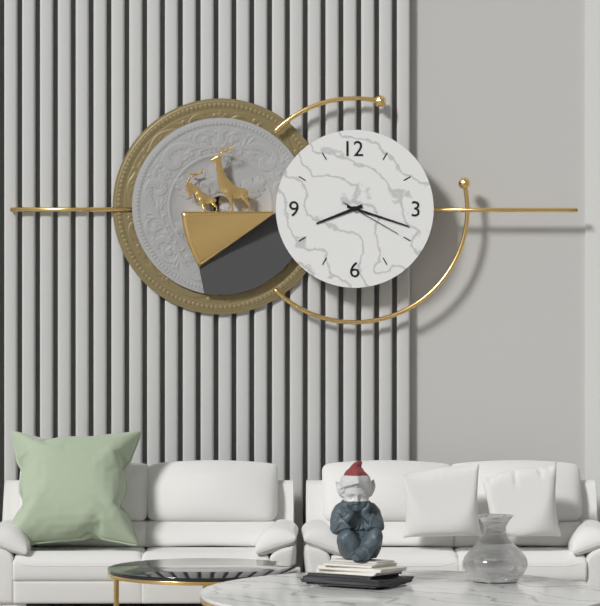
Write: 8:18:20
